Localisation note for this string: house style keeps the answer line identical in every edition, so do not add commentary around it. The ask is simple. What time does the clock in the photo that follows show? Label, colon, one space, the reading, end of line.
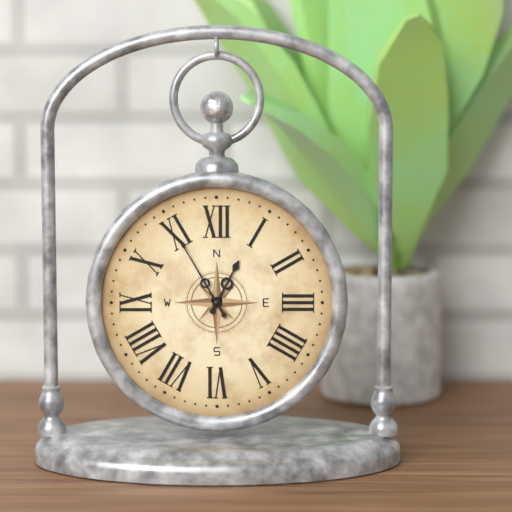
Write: 12:55
